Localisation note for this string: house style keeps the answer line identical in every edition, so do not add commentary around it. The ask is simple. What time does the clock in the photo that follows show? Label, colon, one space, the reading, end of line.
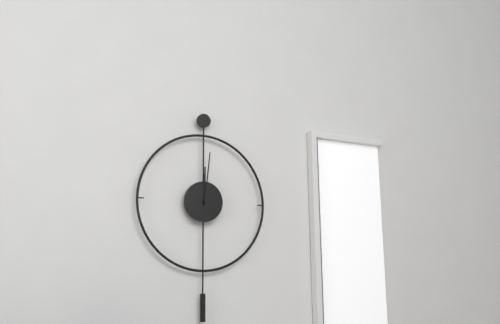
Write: 12:01
